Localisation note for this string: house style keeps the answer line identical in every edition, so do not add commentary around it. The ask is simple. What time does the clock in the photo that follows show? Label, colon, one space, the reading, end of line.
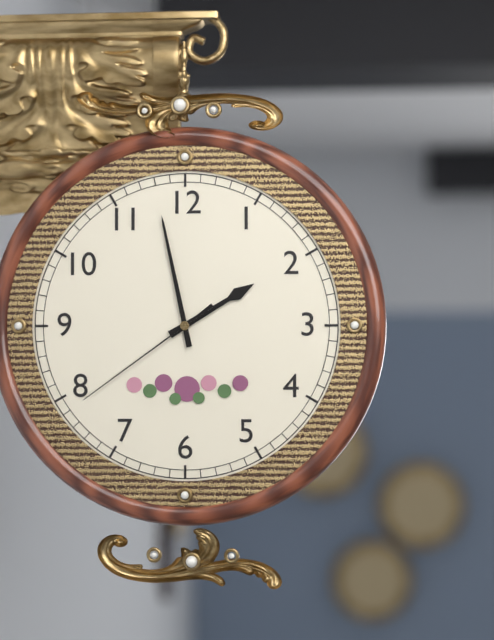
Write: 1:58:39
